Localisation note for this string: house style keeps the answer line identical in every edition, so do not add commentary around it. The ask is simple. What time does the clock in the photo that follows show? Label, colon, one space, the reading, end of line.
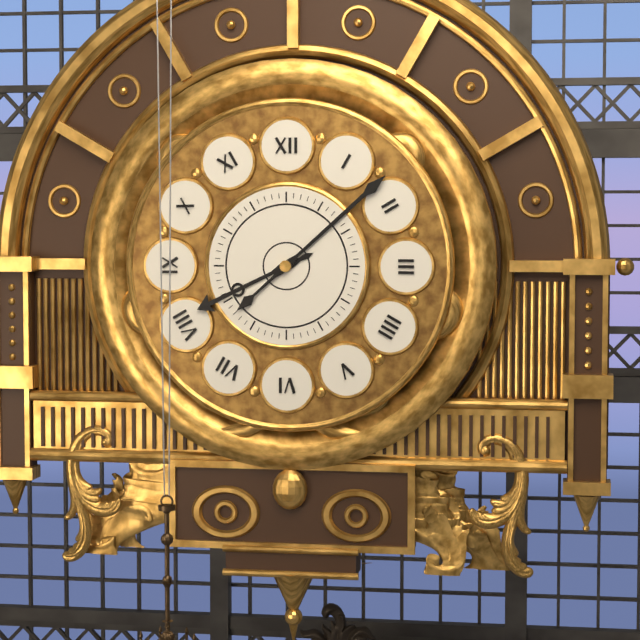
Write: 8:08
